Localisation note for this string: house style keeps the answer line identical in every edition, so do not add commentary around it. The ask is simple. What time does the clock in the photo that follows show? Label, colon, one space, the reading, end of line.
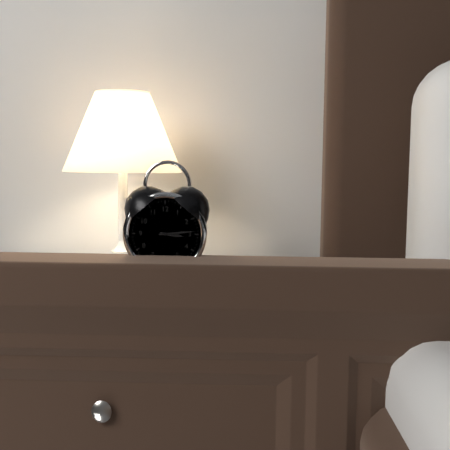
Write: 3:14
